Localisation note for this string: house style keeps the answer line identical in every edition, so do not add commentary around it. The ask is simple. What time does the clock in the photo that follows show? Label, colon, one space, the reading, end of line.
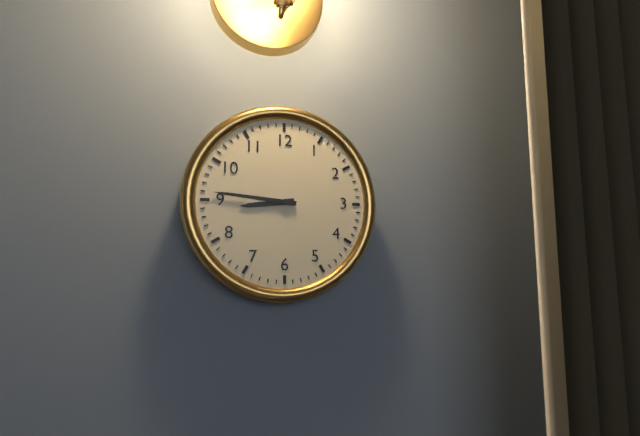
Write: 8:46
